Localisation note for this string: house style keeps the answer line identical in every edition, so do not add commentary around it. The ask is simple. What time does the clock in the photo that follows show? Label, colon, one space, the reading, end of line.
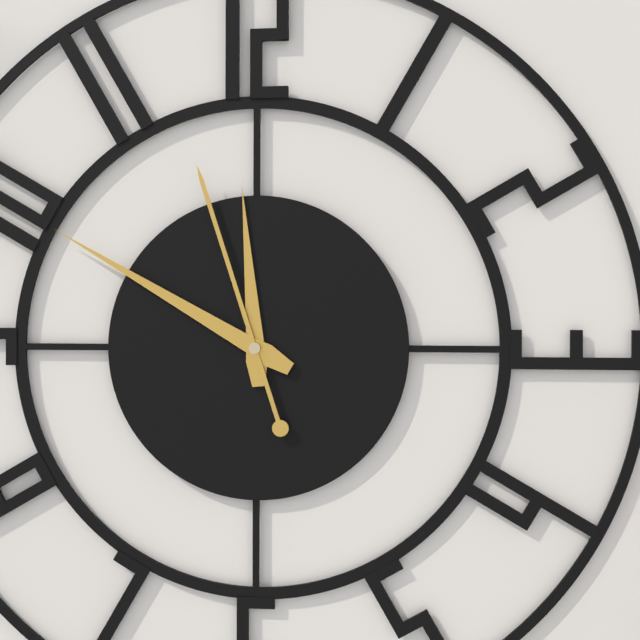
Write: 11:50:57
